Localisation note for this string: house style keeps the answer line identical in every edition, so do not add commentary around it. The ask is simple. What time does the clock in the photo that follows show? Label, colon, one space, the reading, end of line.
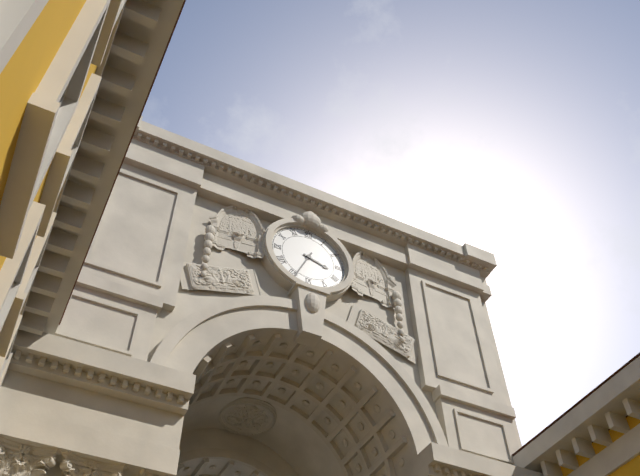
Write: 3:34
